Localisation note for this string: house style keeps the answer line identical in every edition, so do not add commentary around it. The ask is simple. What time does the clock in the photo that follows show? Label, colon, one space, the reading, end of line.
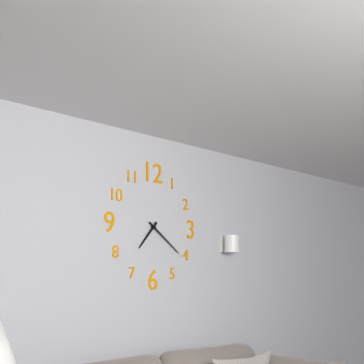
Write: 7:21
